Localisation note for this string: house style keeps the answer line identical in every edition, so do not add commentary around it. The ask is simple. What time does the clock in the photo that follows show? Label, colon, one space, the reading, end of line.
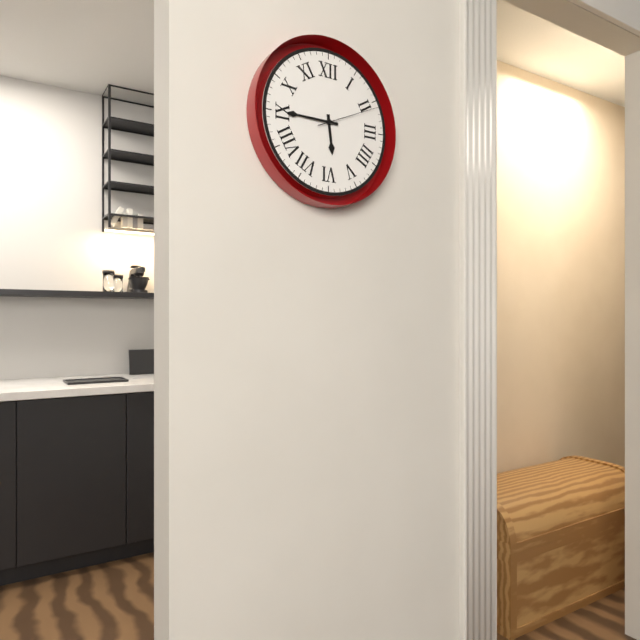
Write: 5:45:11
